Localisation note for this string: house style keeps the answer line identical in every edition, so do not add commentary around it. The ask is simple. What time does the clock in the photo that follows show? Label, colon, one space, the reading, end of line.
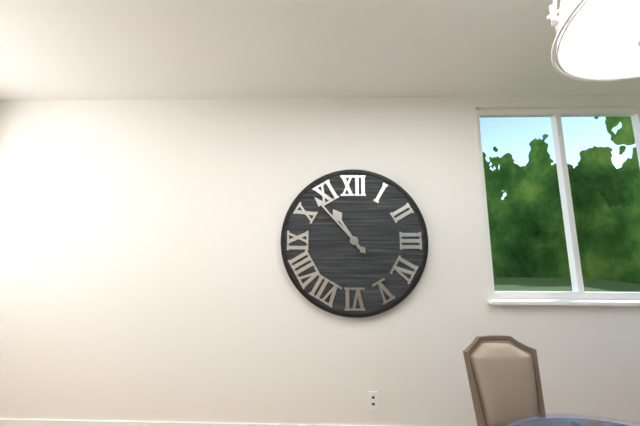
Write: 10:53
